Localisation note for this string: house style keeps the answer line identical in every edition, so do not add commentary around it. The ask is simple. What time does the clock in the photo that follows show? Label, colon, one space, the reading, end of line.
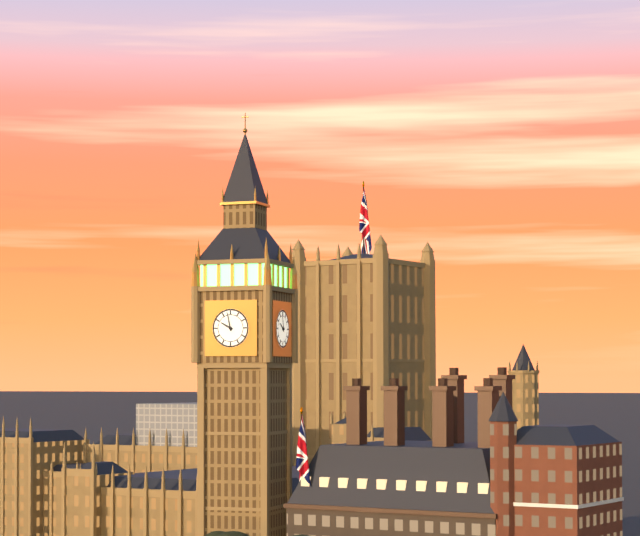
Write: 9:58
